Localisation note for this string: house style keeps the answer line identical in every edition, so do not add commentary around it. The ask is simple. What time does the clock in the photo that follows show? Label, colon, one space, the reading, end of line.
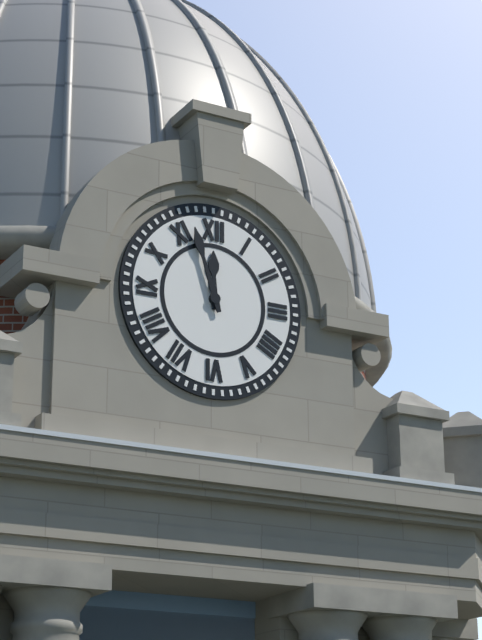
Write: 11:57
